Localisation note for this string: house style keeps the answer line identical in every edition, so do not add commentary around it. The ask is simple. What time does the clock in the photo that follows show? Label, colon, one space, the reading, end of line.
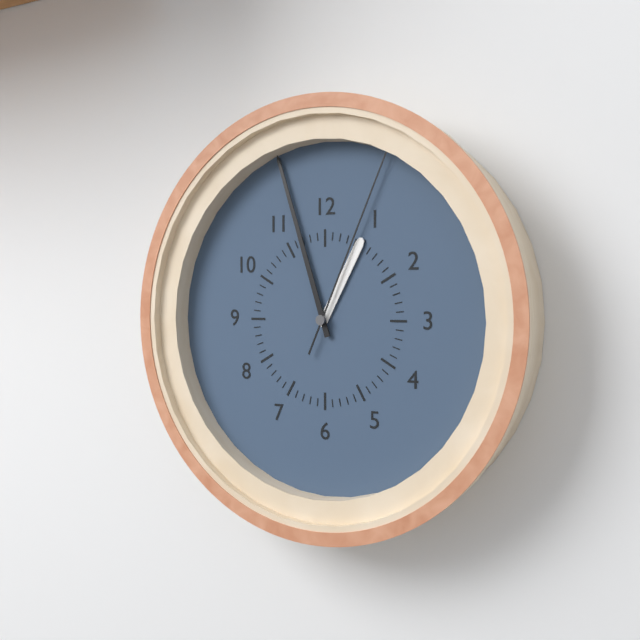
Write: 12:57:04
